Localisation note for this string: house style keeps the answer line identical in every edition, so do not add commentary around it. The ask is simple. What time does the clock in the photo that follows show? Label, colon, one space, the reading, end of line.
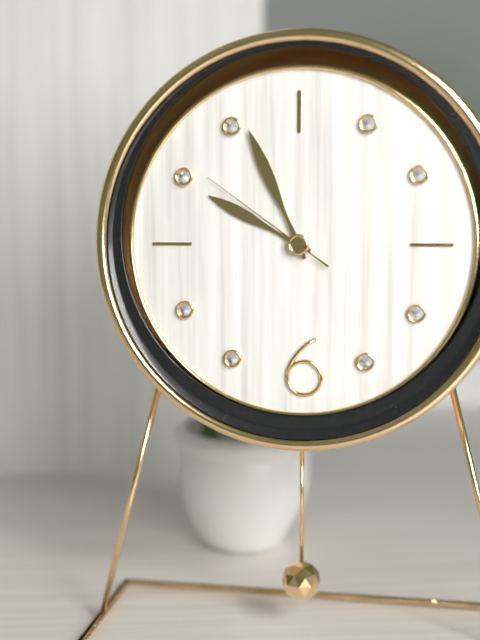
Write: 9:56:51
